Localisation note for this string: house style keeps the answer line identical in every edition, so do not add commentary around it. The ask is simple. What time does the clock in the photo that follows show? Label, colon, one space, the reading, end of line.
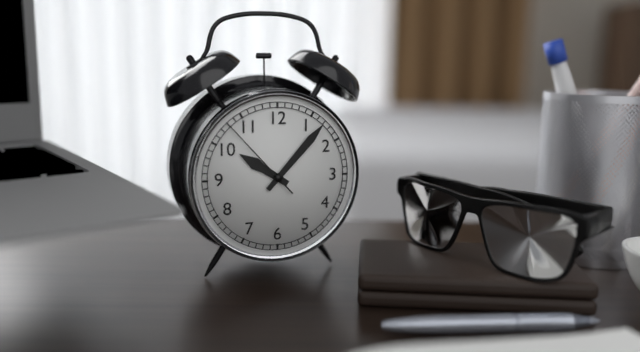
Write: 10:07:53
